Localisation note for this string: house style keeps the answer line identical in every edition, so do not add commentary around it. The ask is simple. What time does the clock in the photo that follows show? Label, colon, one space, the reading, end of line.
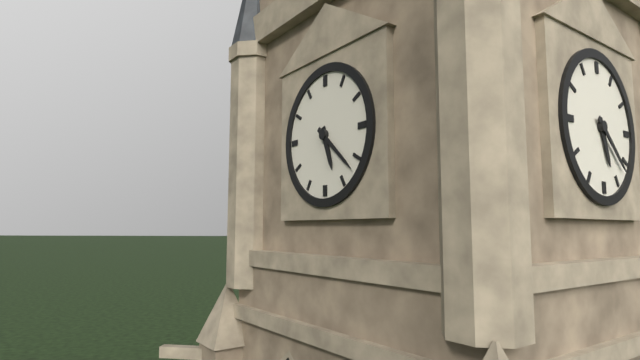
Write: 5:22
